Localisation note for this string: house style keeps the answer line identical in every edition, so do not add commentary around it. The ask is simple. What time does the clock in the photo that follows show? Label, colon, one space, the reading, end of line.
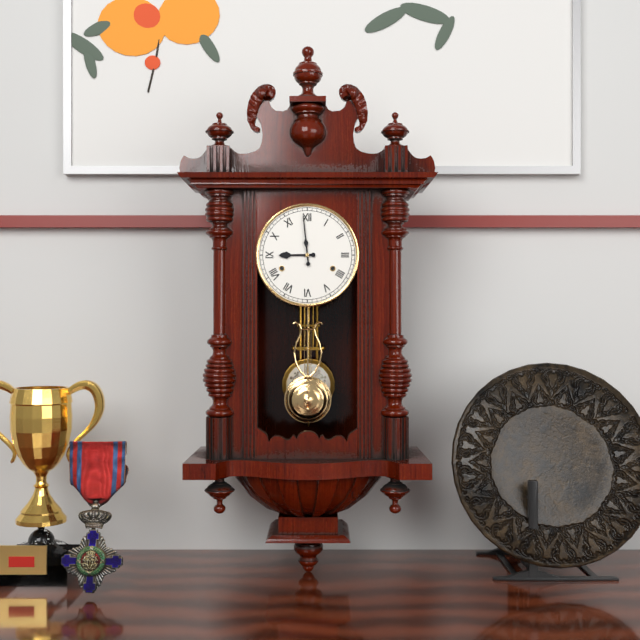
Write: 8:59
